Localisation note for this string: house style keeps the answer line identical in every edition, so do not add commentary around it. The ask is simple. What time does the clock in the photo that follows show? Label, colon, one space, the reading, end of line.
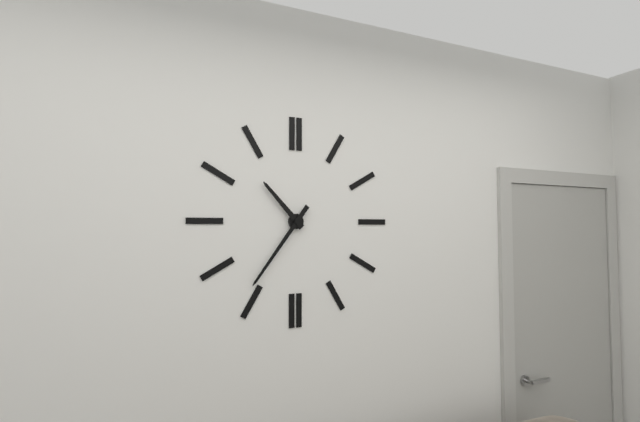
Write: 10:36
